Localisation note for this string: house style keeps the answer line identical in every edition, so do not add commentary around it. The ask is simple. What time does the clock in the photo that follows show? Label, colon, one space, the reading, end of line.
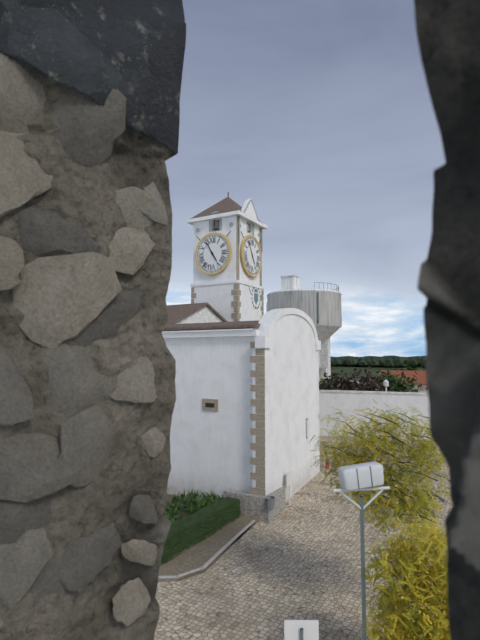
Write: 4:55
